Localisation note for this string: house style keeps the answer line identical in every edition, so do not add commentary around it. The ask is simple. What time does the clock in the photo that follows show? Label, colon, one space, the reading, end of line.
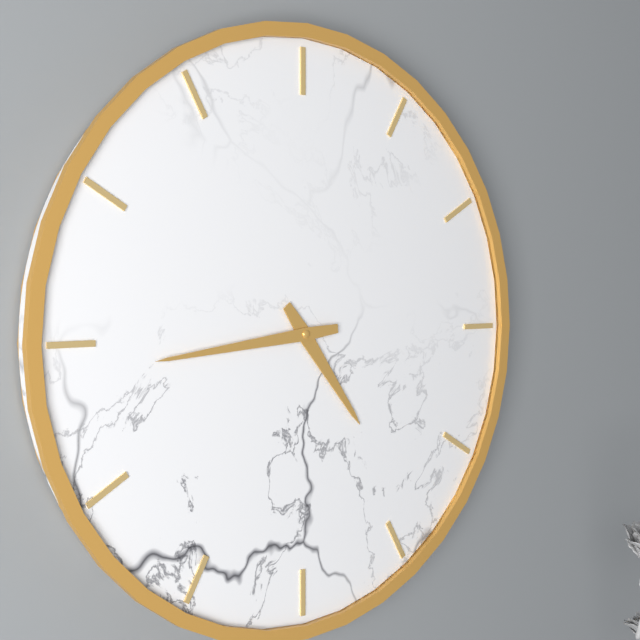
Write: 4:44
